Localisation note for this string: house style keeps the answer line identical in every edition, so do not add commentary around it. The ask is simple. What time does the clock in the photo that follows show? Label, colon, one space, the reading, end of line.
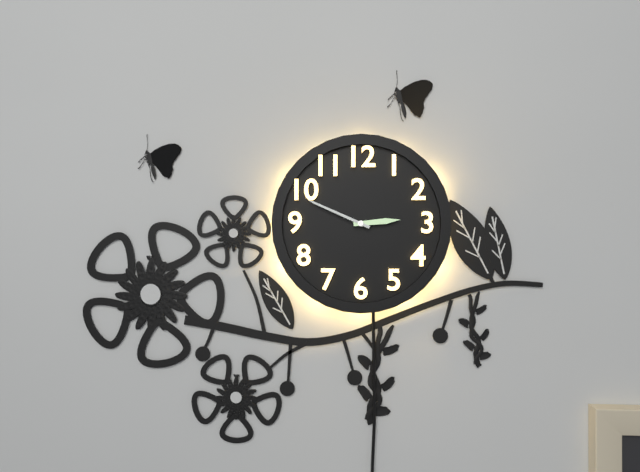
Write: 2:49
